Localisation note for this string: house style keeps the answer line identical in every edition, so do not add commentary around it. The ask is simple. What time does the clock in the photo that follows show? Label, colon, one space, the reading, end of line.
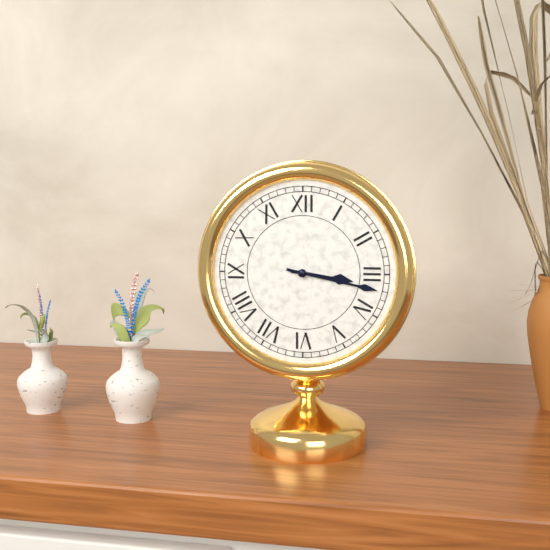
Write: 3:17
